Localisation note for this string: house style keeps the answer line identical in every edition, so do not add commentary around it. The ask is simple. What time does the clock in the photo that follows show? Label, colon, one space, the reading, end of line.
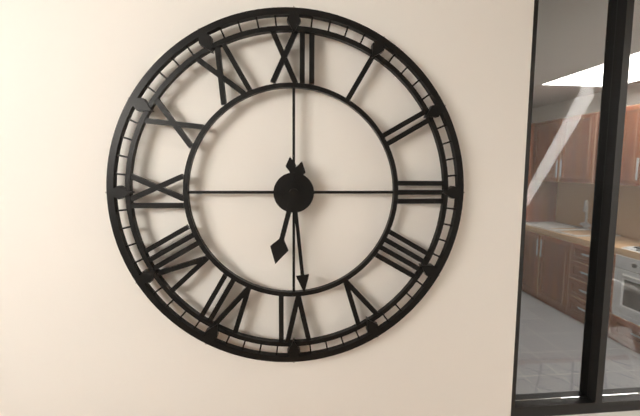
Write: 6:29
